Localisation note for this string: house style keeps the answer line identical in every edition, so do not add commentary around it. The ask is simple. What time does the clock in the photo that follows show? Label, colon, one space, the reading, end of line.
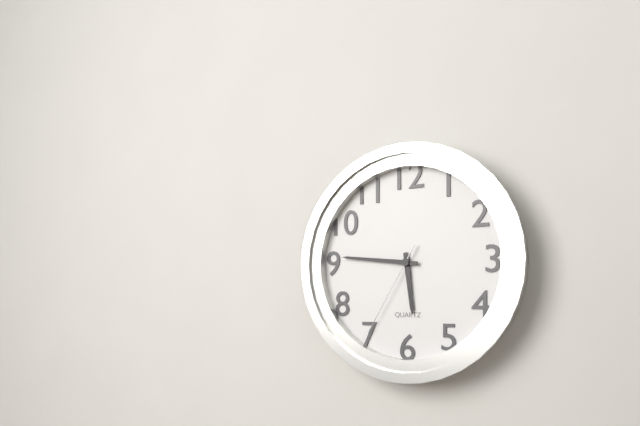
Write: 5:46:35
